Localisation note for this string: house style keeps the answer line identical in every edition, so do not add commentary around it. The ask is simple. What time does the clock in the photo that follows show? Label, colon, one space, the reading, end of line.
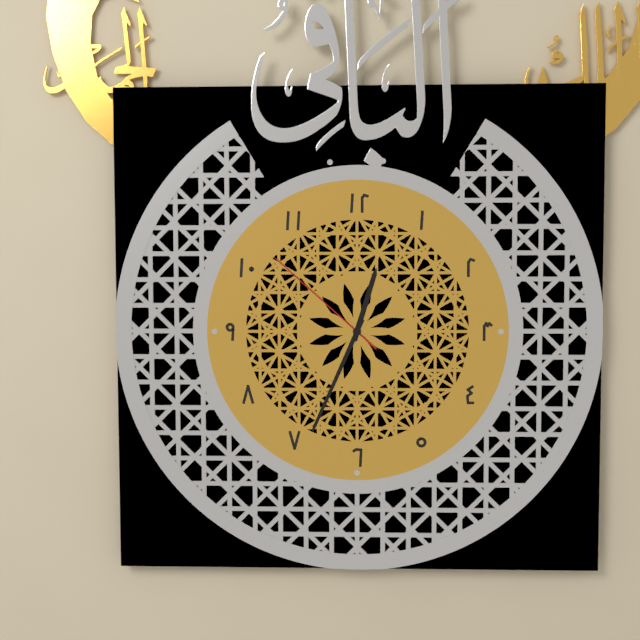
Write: 12:34:52
